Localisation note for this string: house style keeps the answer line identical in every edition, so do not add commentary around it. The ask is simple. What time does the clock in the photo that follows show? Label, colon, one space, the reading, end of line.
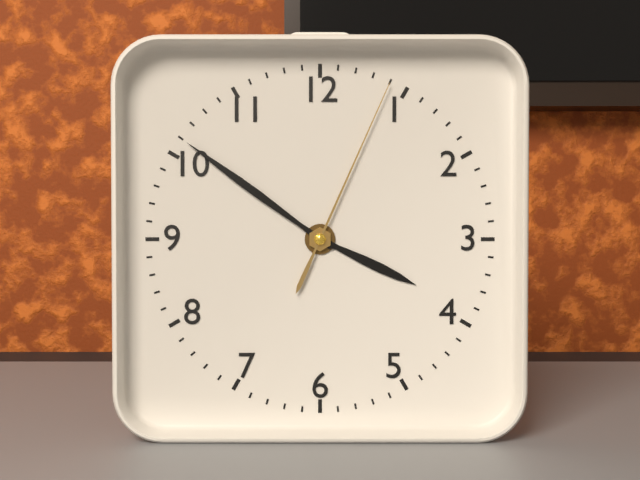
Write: 3:51:04
